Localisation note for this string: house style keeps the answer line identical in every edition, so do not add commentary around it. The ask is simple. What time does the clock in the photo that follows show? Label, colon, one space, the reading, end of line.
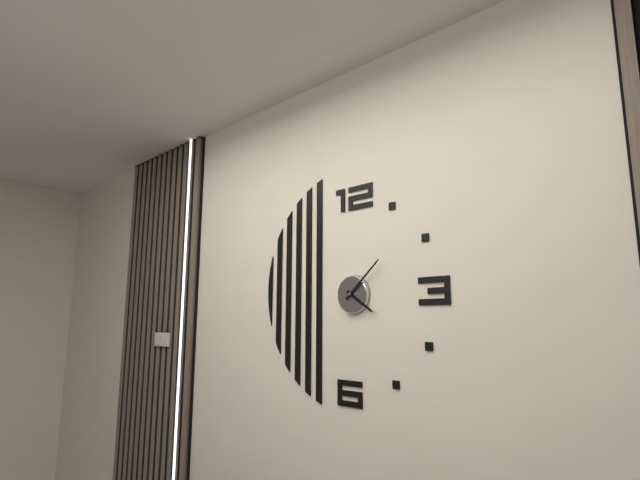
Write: 4:08
